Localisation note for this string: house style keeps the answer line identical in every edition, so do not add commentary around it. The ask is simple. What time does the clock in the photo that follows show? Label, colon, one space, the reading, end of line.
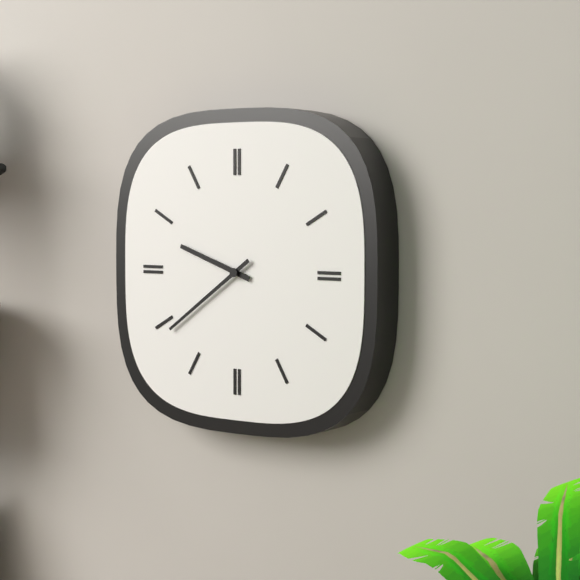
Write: 9:39
